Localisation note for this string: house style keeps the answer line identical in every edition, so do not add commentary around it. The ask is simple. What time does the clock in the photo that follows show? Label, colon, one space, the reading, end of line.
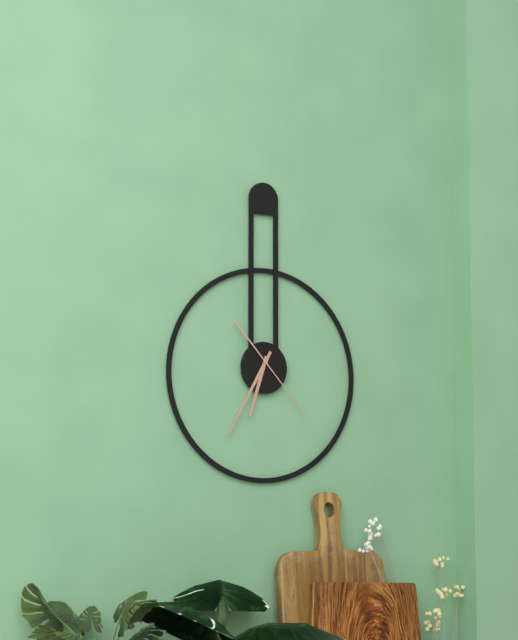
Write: 6:35:23
